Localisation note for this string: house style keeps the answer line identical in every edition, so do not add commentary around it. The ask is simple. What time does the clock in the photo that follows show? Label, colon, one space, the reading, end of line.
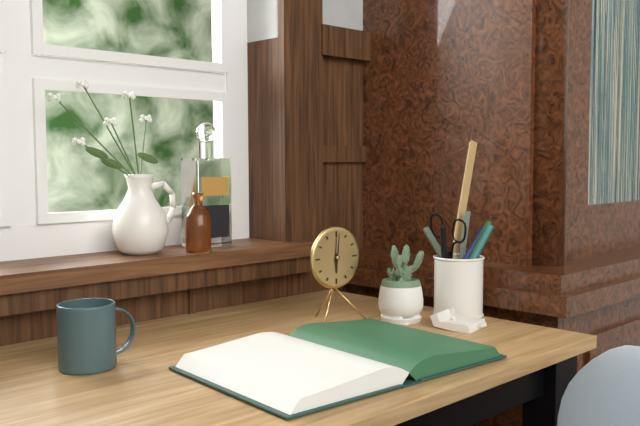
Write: 6:01
